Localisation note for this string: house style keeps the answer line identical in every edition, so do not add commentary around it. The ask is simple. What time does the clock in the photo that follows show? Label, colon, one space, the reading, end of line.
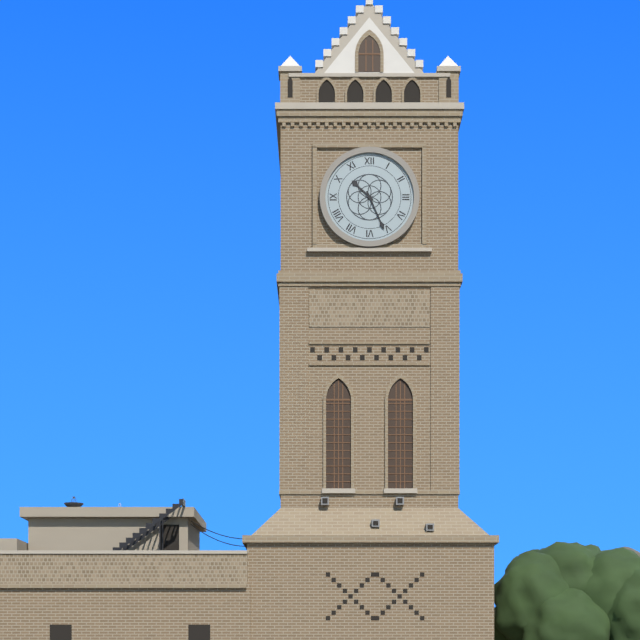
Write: 10:26
